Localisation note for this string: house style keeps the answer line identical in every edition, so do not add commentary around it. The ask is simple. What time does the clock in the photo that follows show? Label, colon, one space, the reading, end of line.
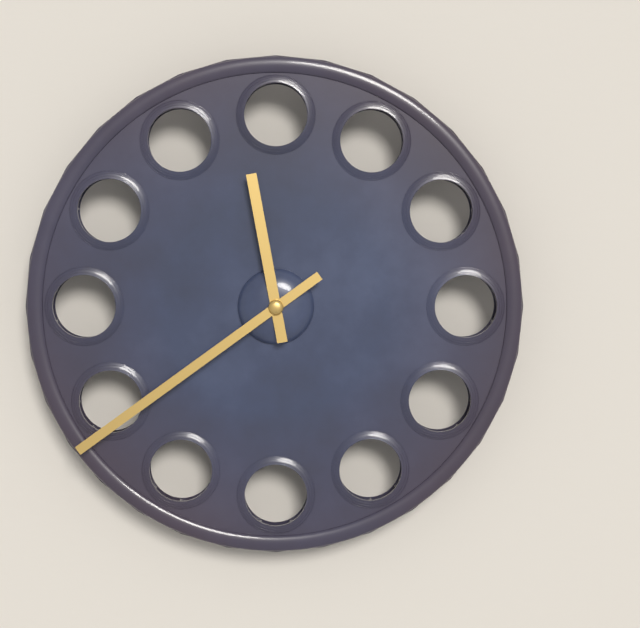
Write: 11:39
